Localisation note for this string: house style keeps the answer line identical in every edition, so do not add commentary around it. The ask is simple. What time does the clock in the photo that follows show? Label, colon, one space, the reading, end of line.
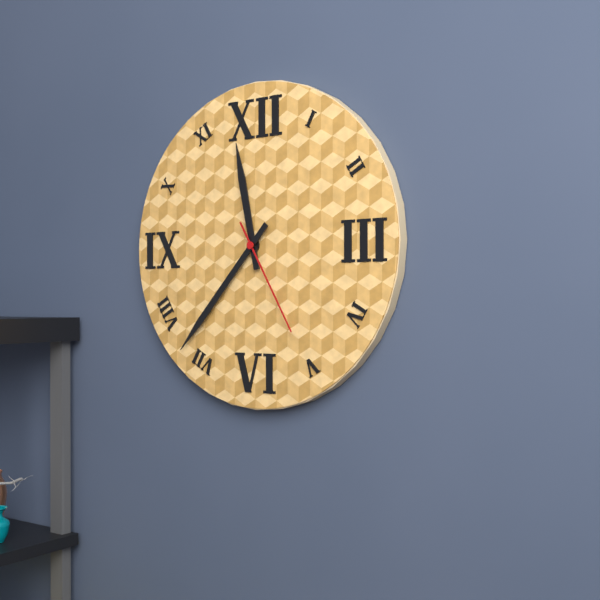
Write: 11:37:25
